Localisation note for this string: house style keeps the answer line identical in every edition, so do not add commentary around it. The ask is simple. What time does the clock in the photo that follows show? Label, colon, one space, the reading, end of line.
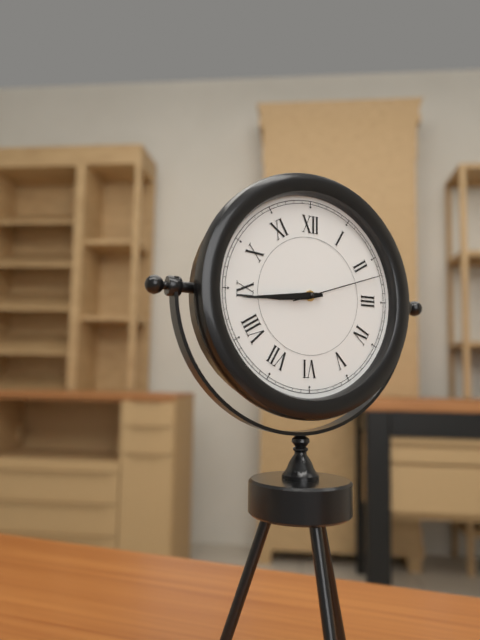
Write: 8:44:12
